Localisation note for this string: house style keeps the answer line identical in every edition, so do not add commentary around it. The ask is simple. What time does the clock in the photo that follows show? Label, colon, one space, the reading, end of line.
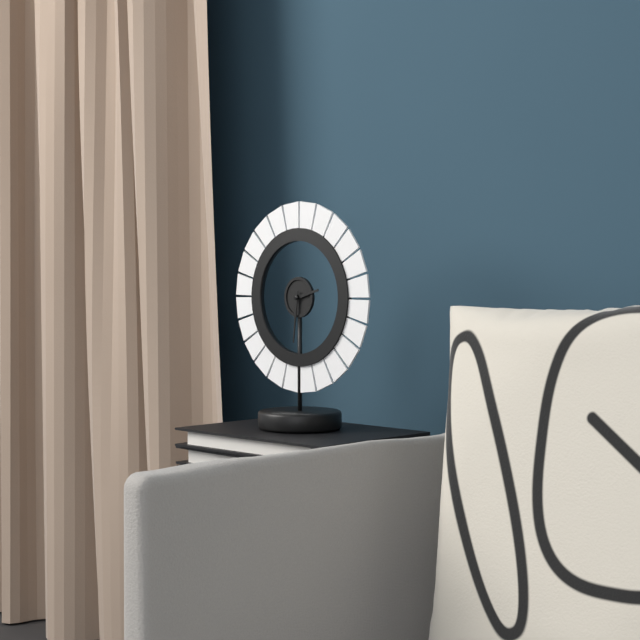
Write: 2:31
